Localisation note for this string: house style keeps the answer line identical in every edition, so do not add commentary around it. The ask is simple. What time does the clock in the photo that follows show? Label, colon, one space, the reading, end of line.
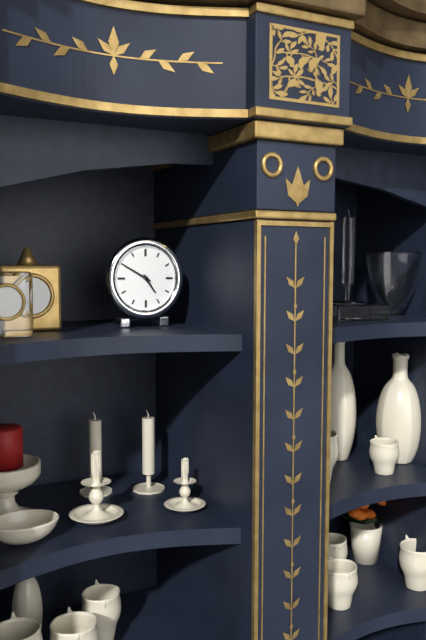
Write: 4:50
